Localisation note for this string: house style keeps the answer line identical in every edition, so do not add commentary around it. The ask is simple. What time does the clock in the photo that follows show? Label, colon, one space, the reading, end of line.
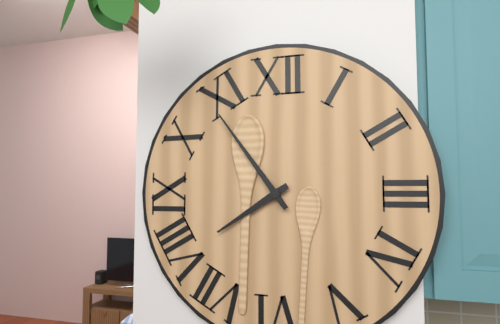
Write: 7:54
